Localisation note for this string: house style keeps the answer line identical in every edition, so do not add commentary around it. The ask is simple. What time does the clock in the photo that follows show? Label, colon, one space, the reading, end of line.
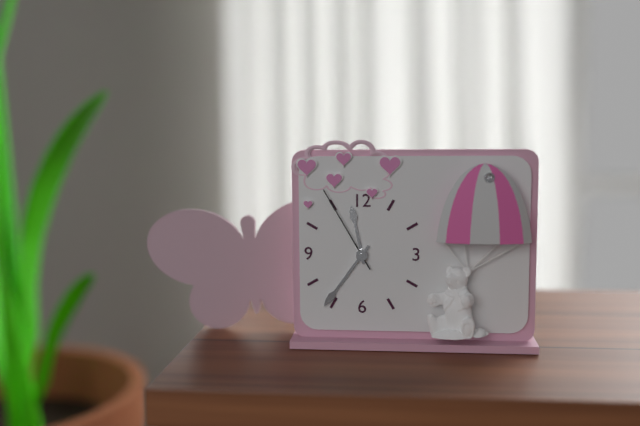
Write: 11:36:55
